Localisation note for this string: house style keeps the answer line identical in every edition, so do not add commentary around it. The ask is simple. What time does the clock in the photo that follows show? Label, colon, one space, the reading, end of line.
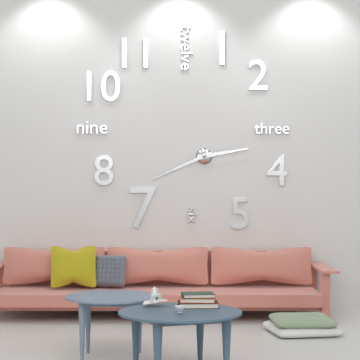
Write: 2:41
